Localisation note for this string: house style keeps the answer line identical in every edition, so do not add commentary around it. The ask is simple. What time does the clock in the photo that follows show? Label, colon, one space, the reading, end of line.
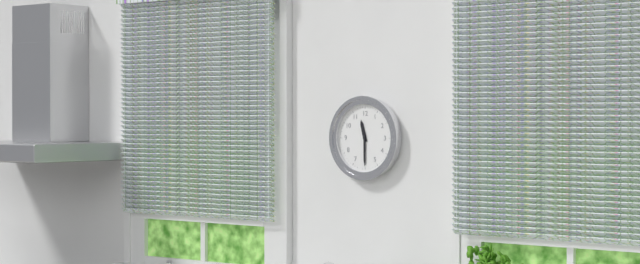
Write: 11:30
